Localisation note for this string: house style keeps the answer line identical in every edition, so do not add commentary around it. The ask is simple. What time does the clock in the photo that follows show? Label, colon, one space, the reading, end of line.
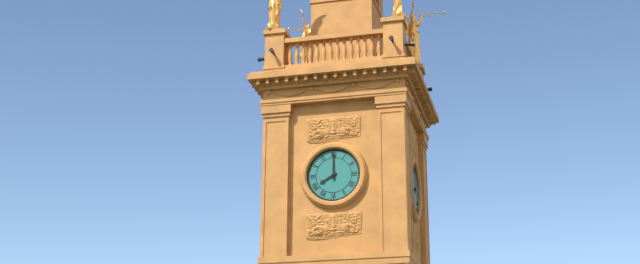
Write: 8:00
